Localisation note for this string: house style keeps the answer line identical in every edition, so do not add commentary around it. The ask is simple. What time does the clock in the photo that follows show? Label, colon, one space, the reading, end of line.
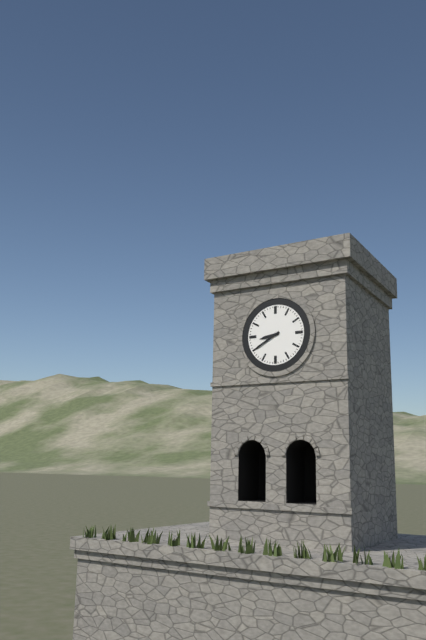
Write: 8:40
